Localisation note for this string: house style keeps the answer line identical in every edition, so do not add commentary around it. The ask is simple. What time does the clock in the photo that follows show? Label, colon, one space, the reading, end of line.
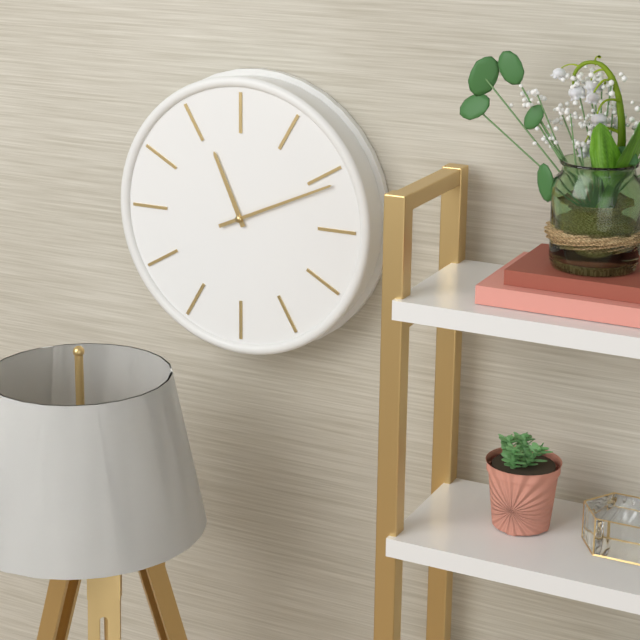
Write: 11:11
